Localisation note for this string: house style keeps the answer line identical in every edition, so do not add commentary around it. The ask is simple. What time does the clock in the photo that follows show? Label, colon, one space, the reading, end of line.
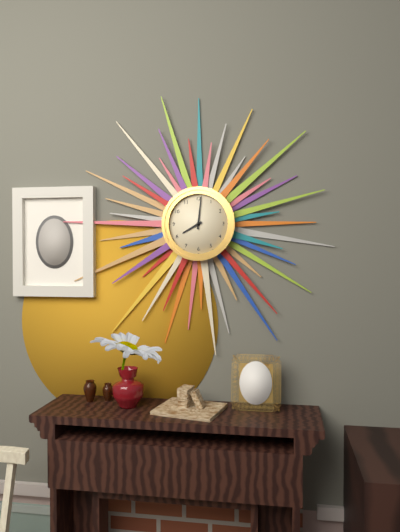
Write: 8:01
